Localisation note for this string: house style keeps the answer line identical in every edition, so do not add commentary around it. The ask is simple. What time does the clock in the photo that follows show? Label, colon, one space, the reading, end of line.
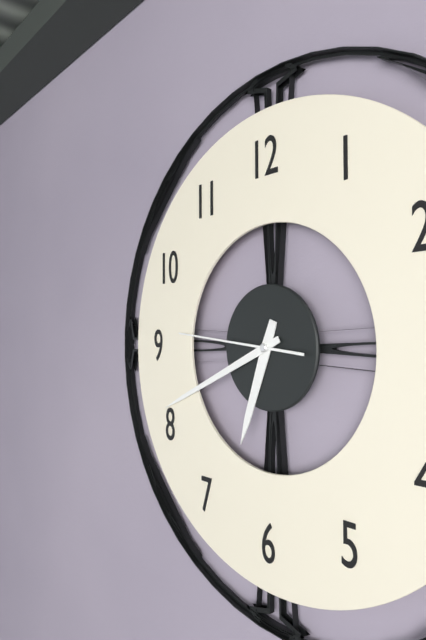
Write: 6:41:46
